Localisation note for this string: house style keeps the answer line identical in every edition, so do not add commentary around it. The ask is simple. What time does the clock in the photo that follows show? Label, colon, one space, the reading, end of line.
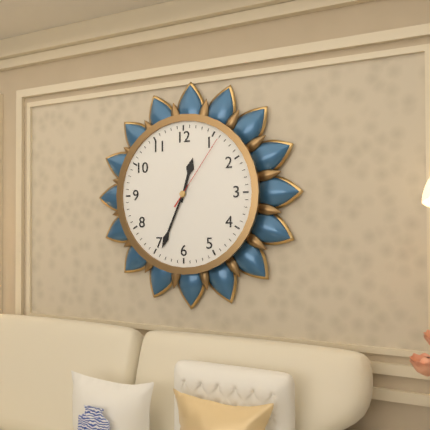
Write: 12:34:06
